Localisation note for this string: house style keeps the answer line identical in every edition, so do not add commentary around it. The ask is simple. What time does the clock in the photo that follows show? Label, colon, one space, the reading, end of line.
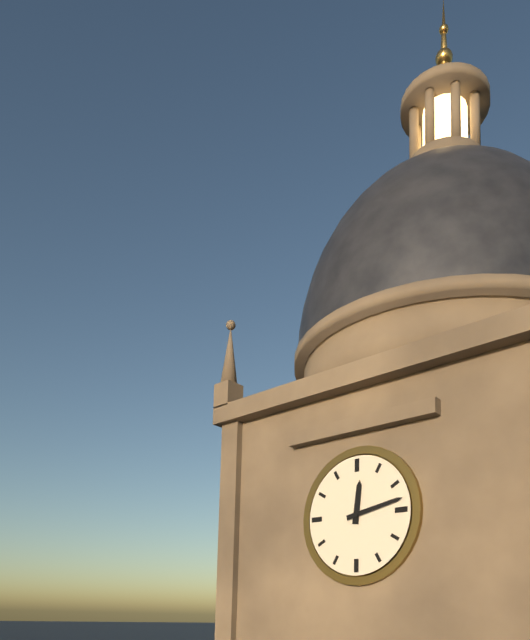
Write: 12:13
